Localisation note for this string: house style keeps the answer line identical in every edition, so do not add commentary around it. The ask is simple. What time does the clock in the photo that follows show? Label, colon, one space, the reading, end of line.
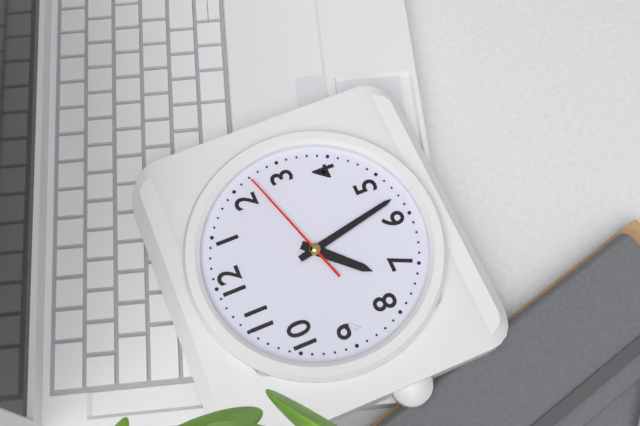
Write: 7:28:12
